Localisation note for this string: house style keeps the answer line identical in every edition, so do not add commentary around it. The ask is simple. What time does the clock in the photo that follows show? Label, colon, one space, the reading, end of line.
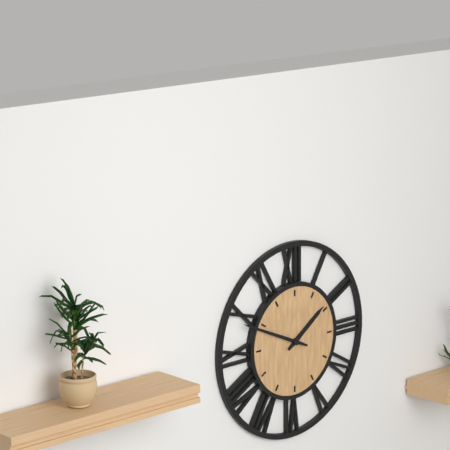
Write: 1:49
